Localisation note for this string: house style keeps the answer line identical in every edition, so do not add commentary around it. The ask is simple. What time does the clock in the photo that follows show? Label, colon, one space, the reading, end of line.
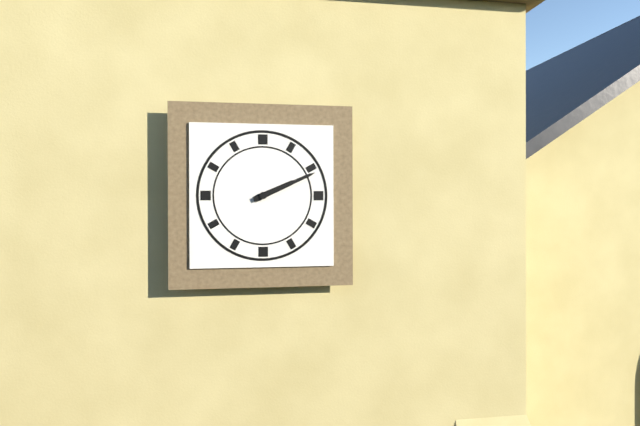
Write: 2:11
